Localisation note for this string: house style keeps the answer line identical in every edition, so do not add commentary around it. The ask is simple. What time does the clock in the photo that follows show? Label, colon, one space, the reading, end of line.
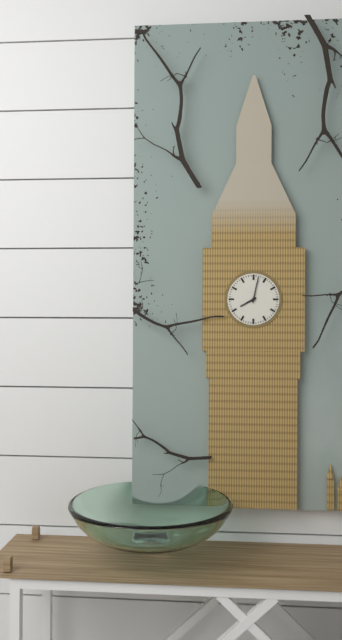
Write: 8:02
